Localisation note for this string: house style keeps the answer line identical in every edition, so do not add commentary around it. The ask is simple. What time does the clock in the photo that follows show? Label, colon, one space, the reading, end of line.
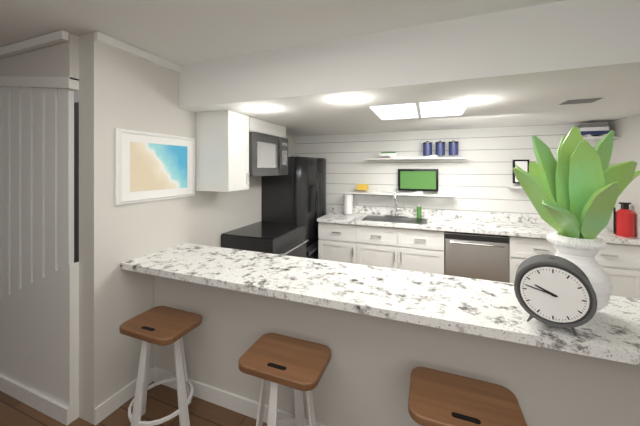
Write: 9:47
